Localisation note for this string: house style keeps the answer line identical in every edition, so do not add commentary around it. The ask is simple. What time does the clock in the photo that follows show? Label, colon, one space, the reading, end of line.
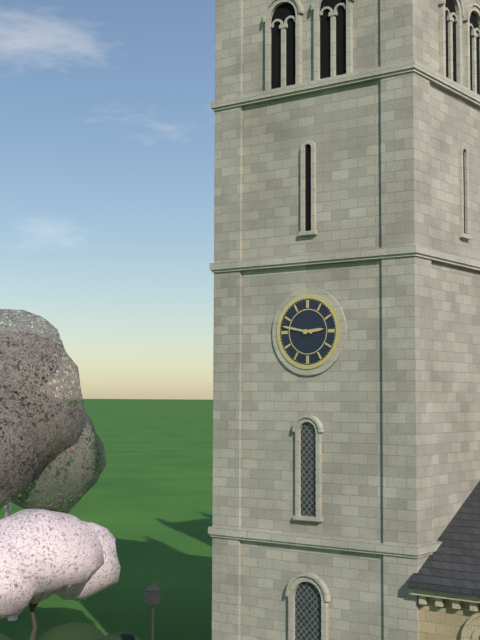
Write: 2:47
